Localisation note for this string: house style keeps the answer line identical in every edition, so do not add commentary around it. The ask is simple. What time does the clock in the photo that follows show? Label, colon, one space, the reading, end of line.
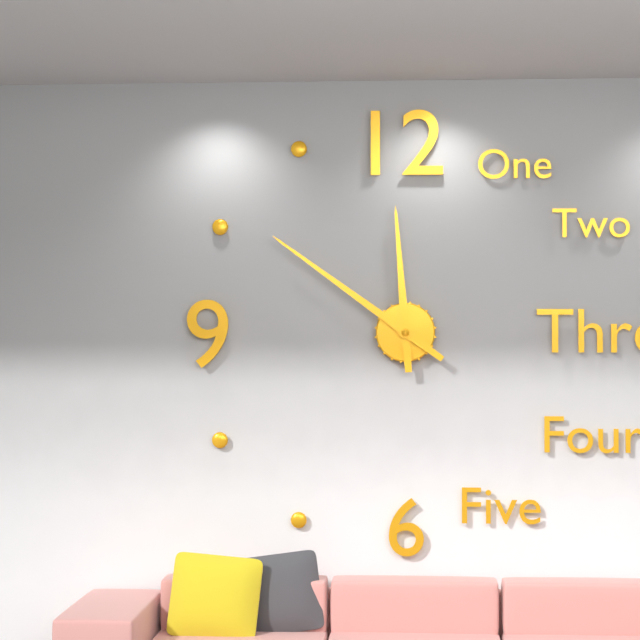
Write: 11:51
